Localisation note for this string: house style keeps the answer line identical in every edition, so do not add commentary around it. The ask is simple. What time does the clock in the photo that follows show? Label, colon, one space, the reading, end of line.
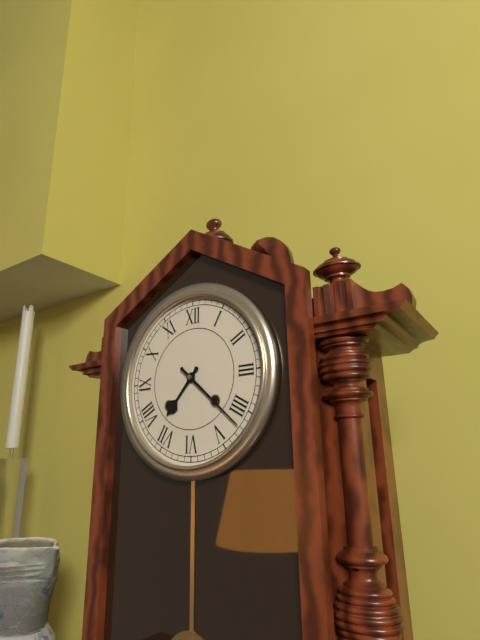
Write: 7:22
